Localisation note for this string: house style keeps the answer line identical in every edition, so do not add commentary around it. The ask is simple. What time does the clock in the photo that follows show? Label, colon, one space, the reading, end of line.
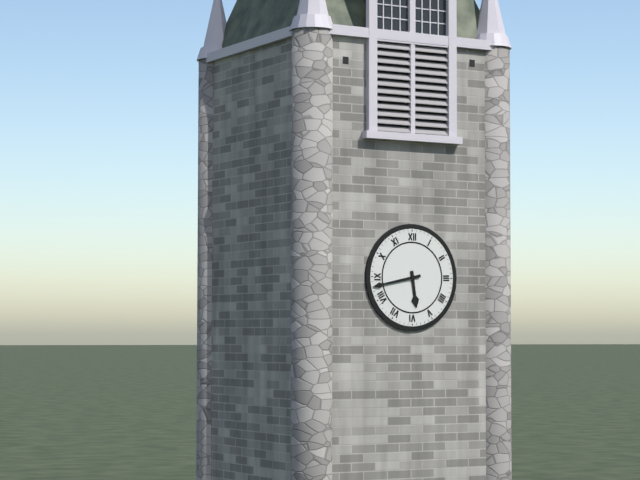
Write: 5:43
